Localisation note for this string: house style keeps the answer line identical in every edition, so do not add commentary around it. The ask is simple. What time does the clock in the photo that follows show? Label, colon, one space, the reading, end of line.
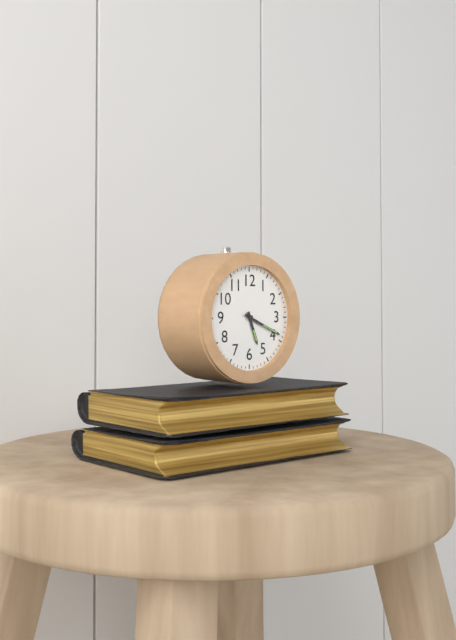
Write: 5:19
